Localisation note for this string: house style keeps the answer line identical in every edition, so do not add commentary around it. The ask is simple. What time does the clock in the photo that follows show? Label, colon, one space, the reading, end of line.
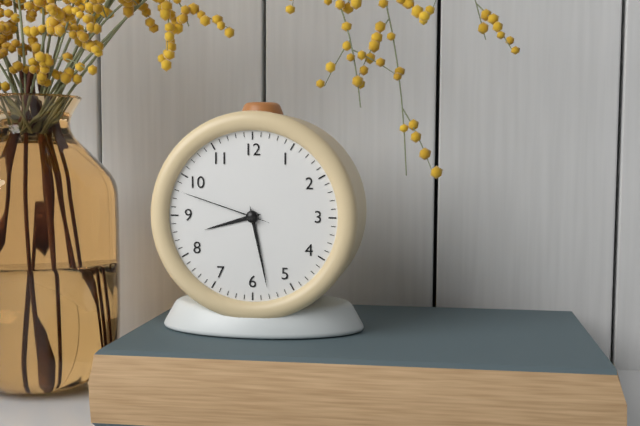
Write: 8:28:48
